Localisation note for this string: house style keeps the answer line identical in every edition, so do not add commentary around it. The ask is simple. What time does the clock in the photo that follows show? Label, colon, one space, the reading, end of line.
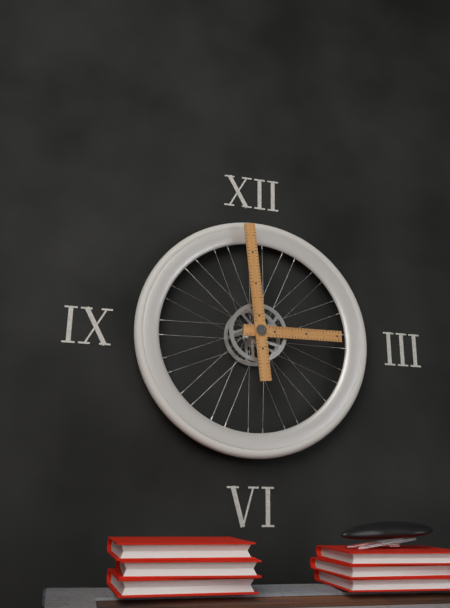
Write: 2:59
